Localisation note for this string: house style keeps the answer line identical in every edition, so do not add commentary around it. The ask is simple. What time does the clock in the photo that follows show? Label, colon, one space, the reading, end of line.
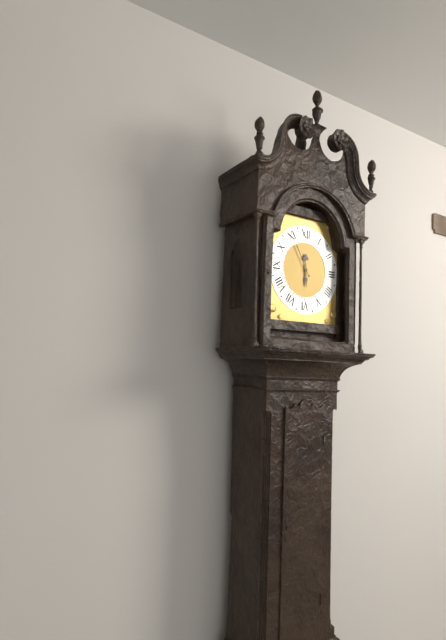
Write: 5:55
